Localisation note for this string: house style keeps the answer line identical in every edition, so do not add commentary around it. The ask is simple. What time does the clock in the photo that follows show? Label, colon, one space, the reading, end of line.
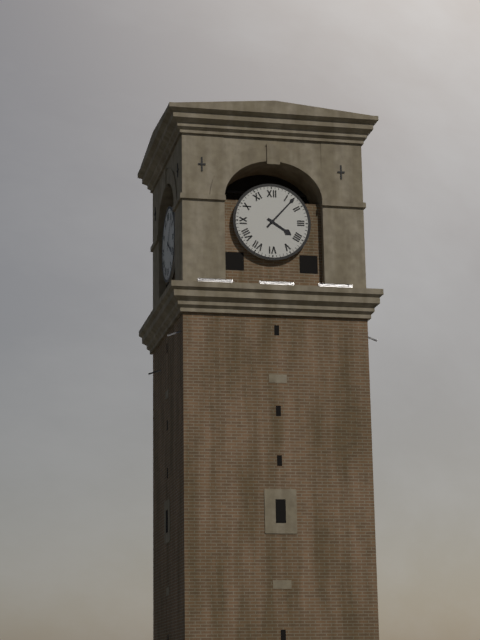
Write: 4:07
